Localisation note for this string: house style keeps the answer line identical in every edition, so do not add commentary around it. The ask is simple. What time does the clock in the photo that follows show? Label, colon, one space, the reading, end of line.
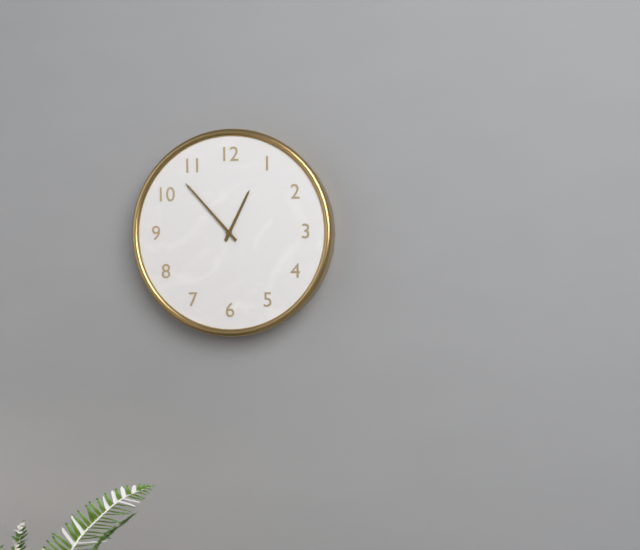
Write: 12:53
